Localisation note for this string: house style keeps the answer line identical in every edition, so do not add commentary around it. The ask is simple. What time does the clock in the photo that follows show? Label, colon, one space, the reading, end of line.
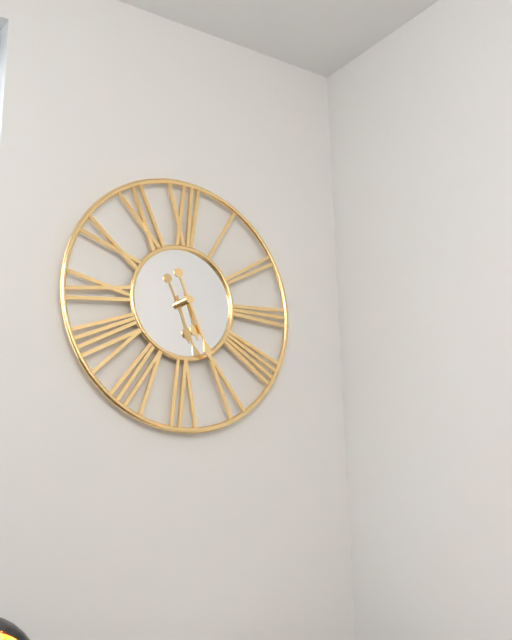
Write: 5:26
